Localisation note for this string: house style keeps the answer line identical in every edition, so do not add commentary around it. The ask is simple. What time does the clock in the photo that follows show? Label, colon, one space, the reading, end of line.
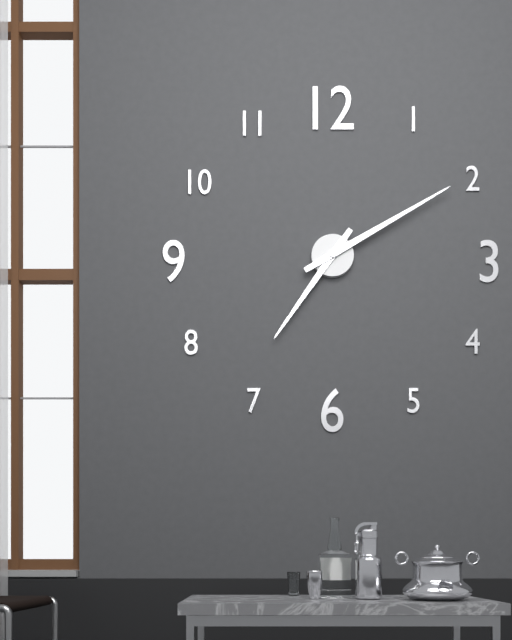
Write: 7:10
